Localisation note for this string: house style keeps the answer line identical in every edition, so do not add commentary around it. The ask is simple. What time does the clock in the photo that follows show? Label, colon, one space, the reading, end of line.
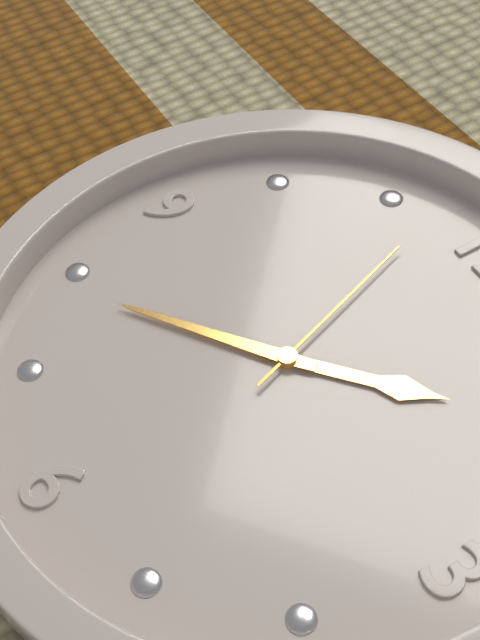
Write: 1:39:57
